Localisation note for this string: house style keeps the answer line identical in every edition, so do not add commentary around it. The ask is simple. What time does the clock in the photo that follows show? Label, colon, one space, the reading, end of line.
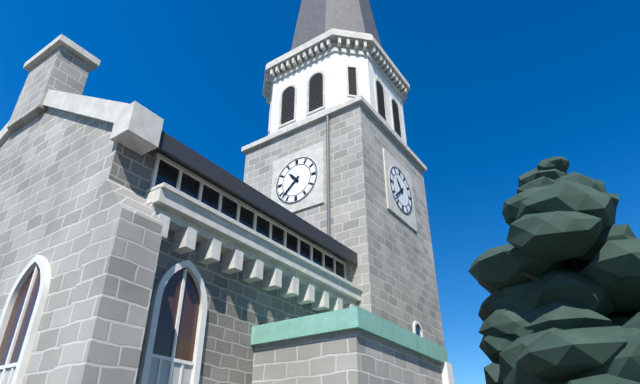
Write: 10:38
